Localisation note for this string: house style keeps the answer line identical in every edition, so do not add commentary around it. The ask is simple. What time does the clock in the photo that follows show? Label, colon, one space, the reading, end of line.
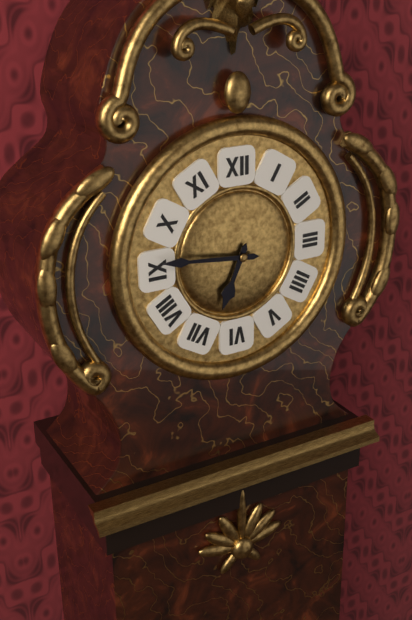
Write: 6:46
